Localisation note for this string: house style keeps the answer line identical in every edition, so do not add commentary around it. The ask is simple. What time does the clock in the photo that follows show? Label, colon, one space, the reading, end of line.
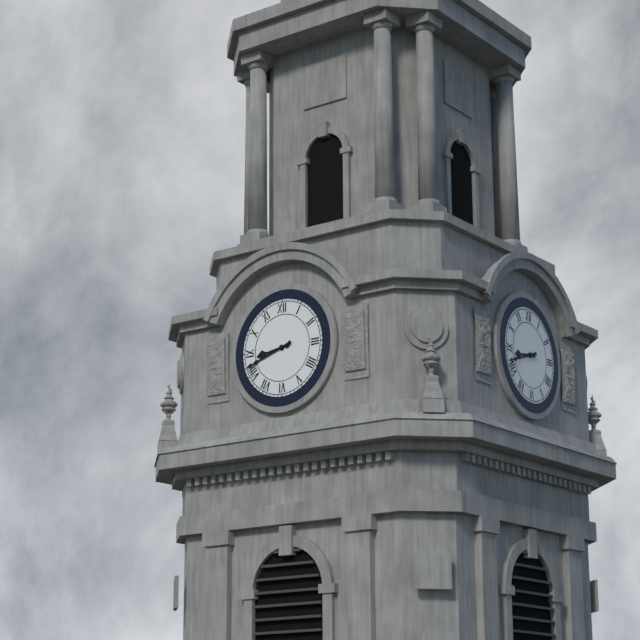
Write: 8:42
